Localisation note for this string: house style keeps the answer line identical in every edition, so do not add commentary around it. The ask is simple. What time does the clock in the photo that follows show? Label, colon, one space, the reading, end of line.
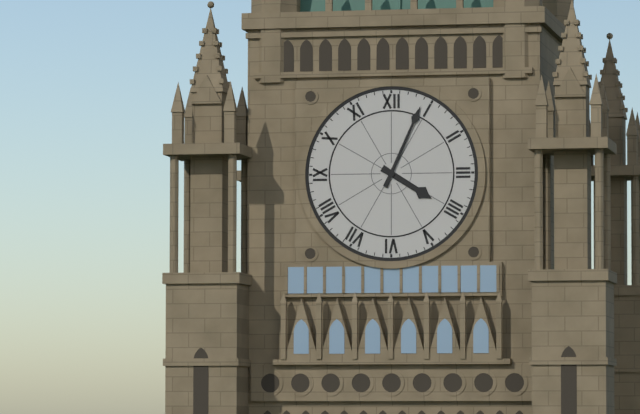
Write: 4:04
